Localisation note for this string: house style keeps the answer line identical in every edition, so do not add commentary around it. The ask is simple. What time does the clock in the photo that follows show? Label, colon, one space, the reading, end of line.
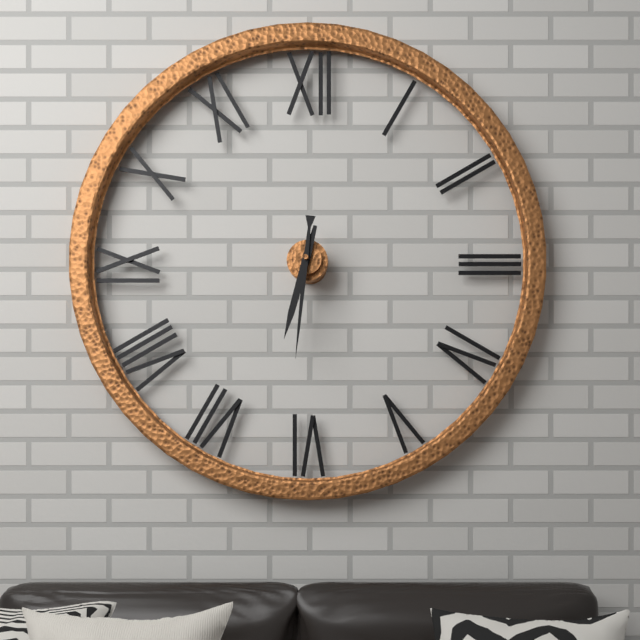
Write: 6:31
